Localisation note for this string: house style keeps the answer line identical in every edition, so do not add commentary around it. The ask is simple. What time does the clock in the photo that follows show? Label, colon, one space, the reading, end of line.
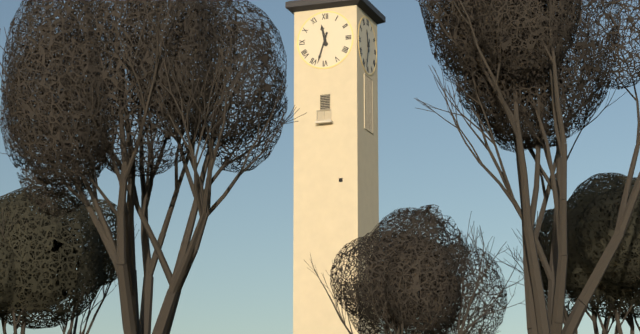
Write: 11:33
